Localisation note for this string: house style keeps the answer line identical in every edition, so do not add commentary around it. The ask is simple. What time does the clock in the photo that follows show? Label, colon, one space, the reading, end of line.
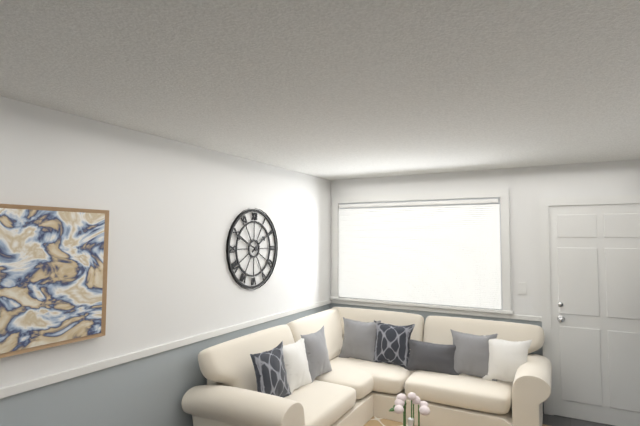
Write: 1:49
